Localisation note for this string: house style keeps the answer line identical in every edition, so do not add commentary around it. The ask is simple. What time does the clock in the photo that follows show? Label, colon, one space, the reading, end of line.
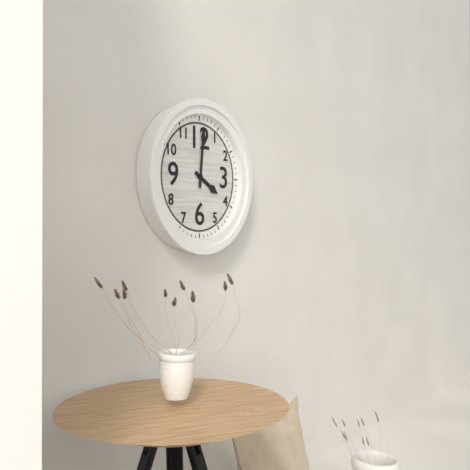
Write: 4:01
